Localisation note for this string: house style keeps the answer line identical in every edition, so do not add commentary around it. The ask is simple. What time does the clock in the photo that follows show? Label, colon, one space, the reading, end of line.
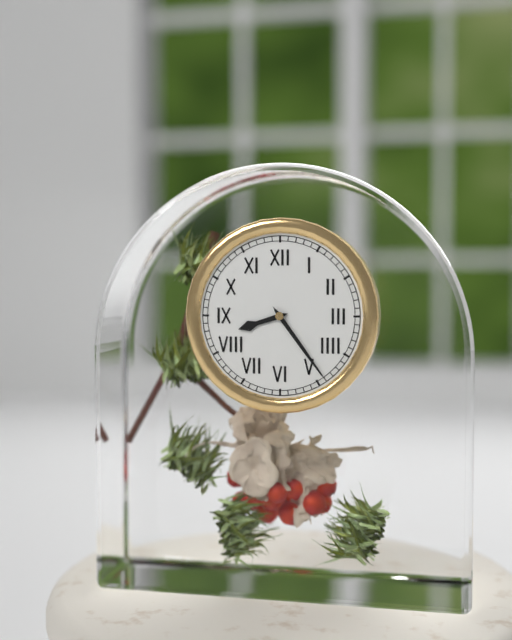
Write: 8:24
